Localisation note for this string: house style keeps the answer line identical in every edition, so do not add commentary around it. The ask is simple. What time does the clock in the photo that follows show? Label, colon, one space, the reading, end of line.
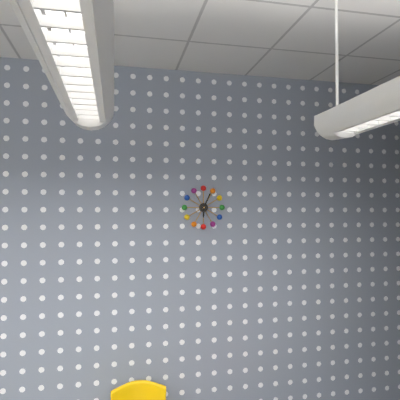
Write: 6:04
